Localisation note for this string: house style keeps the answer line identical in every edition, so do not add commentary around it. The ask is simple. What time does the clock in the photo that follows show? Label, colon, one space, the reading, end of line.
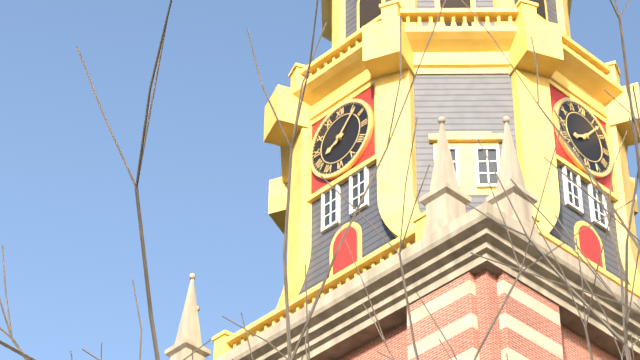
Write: 8:07
